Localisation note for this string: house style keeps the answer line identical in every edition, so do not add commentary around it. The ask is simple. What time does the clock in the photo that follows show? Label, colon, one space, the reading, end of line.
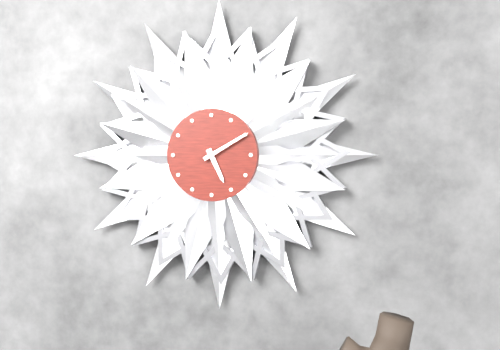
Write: 5:10
